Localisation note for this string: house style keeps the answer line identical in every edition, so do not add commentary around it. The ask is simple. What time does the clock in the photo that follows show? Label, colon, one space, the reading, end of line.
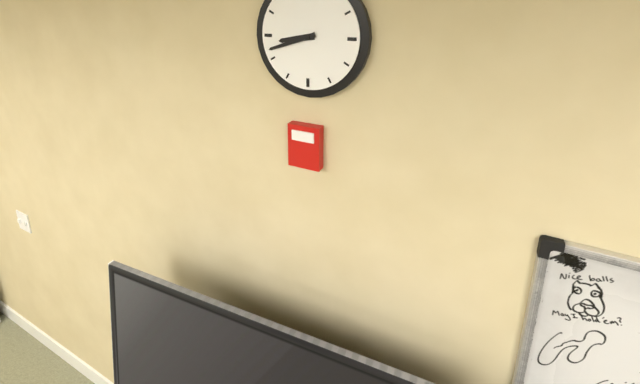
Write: 8:42
